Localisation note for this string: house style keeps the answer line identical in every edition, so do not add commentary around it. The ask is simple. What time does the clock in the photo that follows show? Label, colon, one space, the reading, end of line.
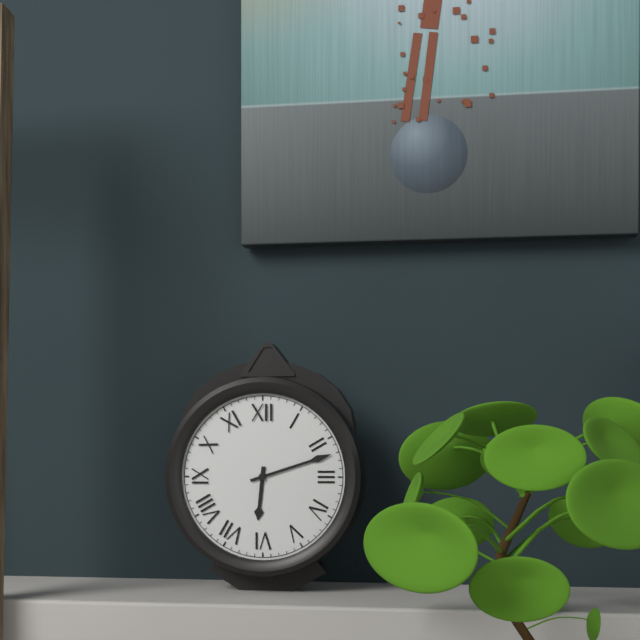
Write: 6:12
